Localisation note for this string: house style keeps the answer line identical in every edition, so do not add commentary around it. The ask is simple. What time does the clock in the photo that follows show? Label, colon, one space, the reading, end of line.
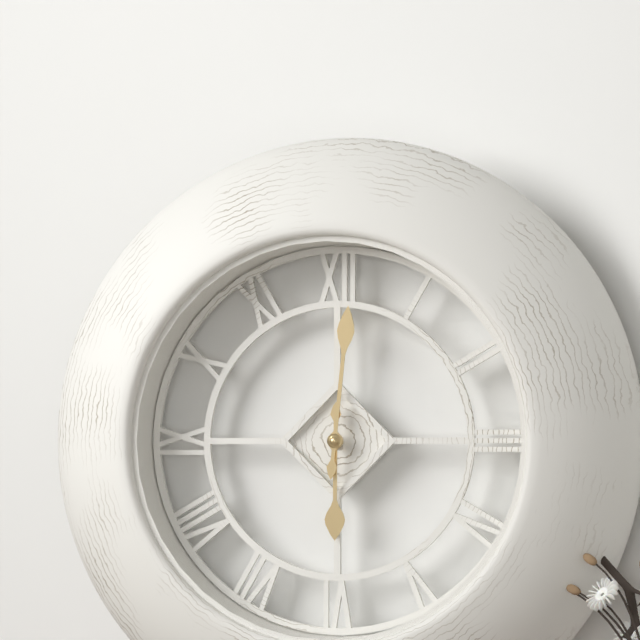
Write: 6:01
